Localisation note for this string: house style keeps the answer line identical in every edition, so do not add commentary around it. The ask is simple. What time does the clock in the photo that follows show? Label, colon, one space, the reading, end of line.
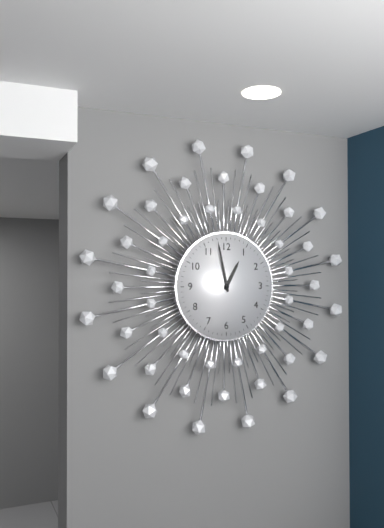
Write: 12:58
